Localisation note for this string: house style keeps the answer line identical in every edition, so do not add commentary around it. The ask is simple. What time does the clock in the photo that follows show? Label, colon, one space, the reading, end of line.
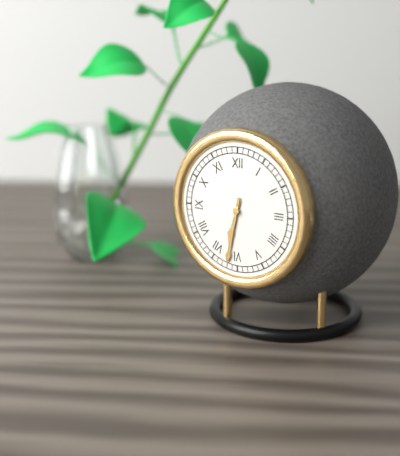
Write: 6:32
